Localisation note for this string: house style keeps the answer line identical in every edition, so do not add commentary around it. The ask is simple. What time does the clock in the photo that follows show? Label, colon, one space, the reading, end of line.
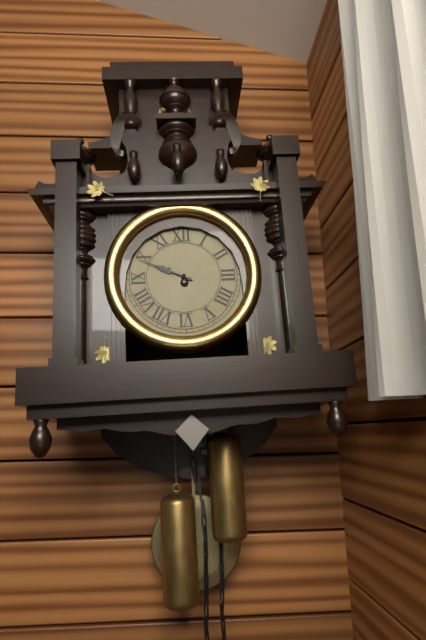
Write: 9:49
